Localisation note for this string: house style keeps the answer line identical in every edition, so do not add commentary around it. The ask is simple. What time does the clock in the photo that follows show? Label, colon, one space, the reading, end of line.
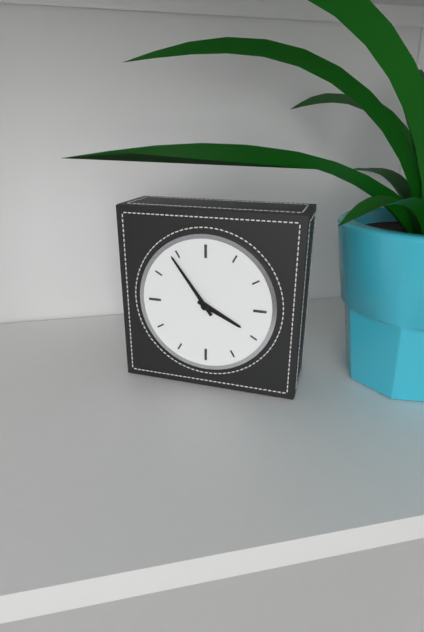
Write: 3:54
